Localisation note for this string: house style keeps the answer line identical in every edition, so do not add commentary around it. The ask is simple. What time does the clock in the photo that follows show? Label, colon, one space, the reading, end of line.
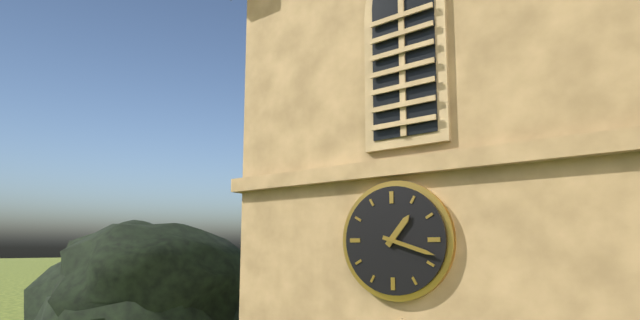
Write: 1:18
